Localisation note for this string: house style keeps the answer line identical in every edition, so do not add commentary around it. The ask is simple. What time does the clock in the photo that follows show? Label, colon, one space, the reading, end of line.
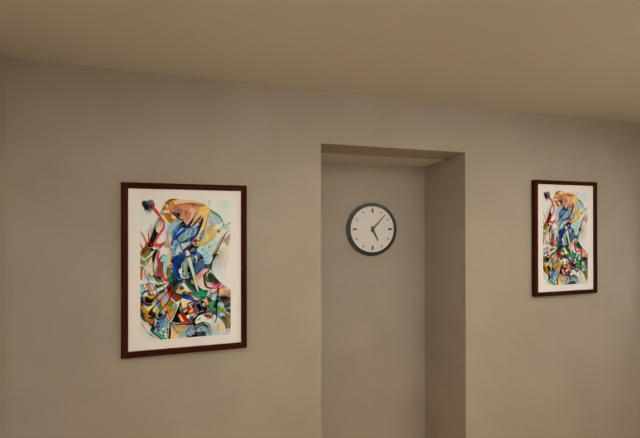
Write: 5:07
